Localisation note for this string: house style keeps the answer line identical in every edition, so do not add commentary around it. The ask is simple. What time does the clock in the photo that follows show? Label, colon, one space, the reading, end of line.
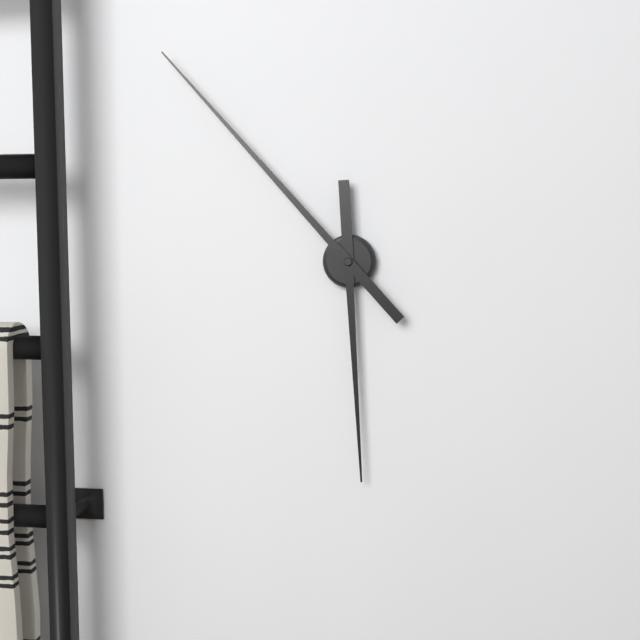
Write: 5:53
